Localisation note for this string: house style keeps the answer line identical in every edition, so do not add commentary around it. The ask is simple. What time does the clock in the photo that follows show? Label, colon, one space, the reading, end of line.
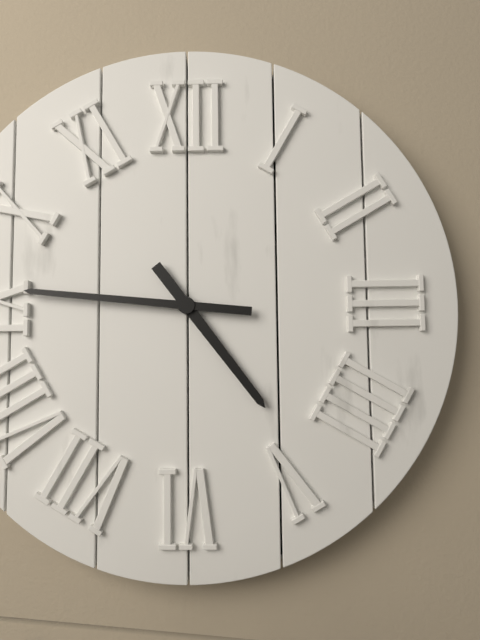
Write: 4:46
